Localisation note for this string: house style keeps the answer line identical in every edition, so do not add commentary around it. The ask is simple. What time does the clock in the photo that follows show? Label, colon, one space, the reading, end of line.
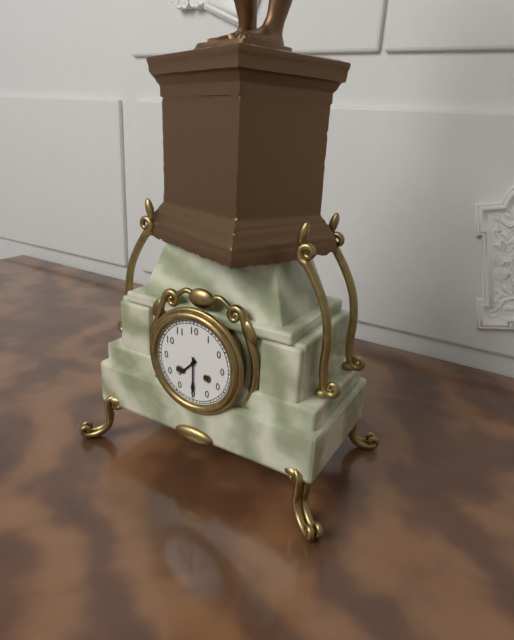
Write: 7:30
